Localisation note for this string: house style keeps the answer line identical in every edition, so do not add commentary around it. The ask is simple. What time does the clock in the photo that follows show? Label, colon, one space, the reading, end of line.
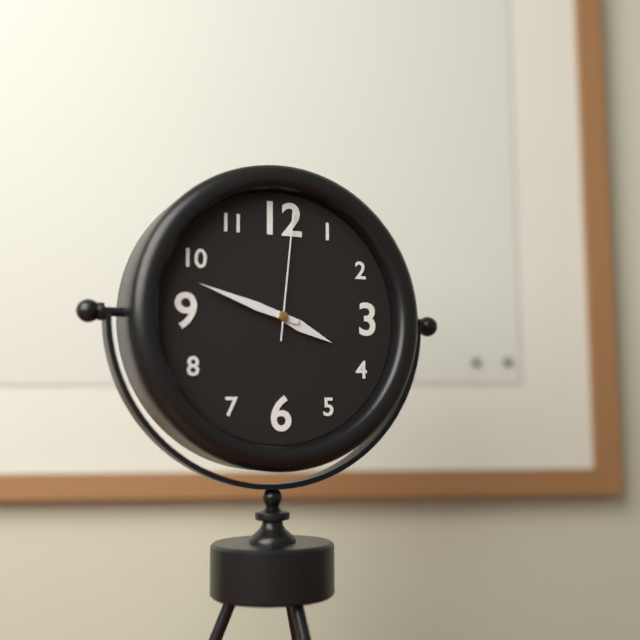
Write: 3:48:01
